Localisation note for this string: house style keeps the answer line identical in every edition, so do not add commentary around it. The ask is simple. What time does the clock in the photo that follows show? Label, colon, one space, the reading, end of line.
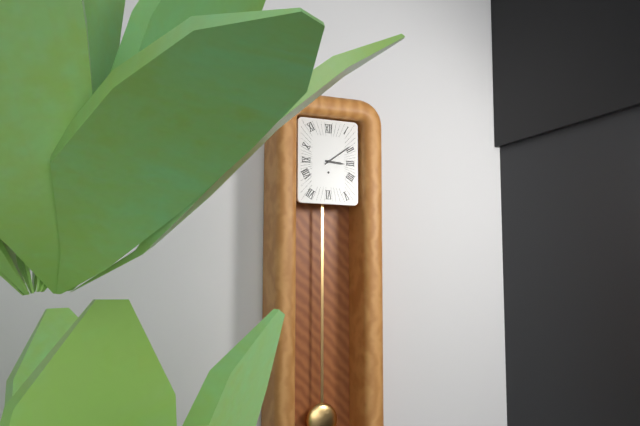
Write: 3:09
